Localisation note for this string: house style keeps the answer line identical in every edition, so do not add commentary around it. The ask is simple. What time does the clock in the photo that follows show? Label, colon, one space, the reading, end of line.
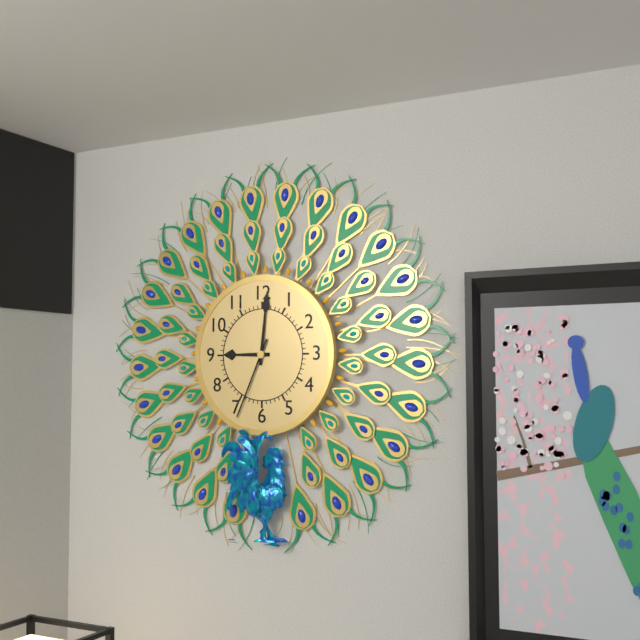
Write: 9:01:34
